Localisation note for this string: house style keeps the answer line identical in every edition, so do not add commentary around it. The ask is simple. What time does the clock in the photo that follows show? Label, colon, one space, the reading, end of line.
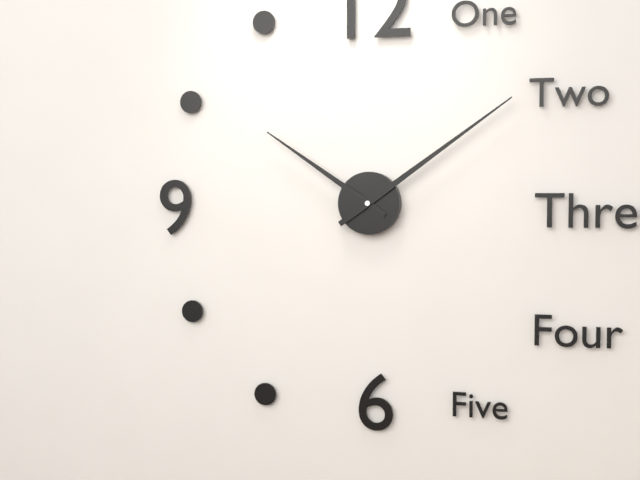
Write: 10:09
